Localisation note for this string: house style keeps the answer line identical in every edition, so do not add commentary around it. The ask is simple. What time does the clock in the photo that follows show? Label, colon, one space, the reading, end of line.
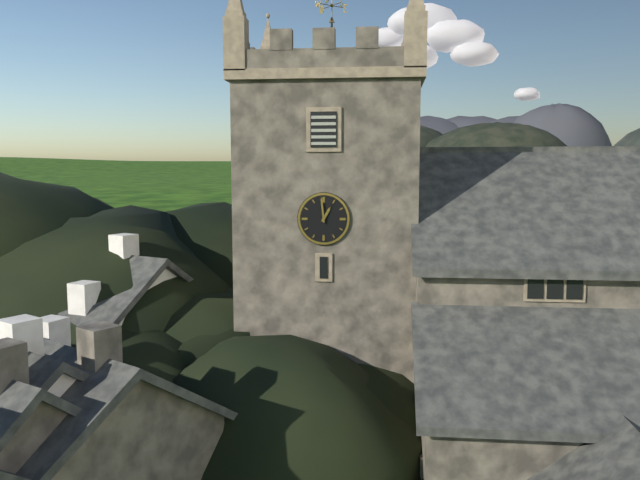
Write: 12:59
